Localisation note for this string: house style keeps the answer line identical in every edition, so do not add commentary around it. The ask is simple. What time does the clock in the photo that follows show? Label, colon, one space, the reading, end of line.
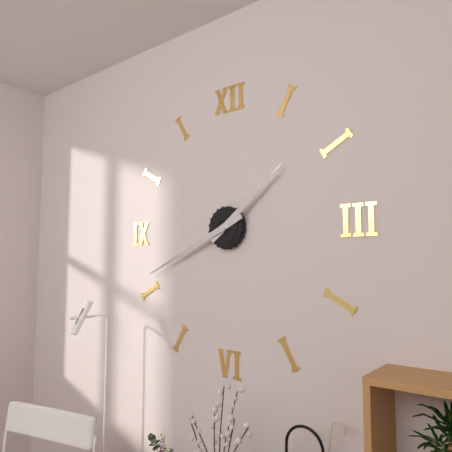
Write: 1:41
